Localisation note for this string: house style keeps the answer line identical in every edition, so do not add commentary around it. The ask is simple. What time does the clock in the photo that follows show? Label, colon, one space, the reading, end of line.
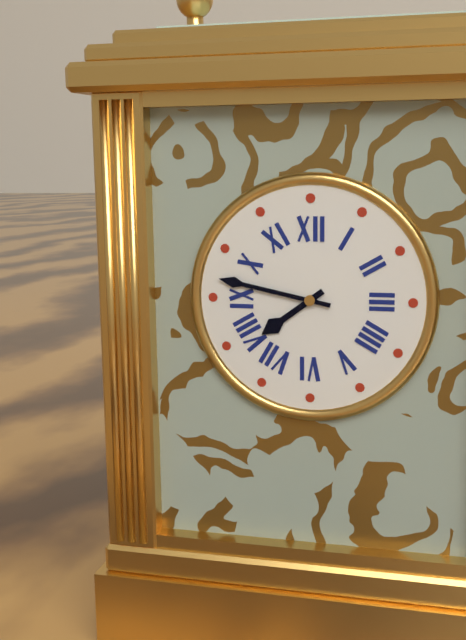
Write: 7:47
